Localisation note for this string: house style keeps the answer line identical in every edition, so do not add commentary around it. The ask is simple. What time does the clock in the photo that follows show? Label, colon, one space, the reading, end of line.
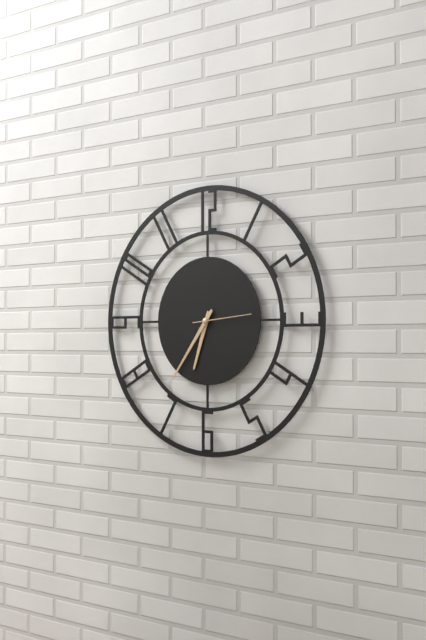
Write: 6:36:14
